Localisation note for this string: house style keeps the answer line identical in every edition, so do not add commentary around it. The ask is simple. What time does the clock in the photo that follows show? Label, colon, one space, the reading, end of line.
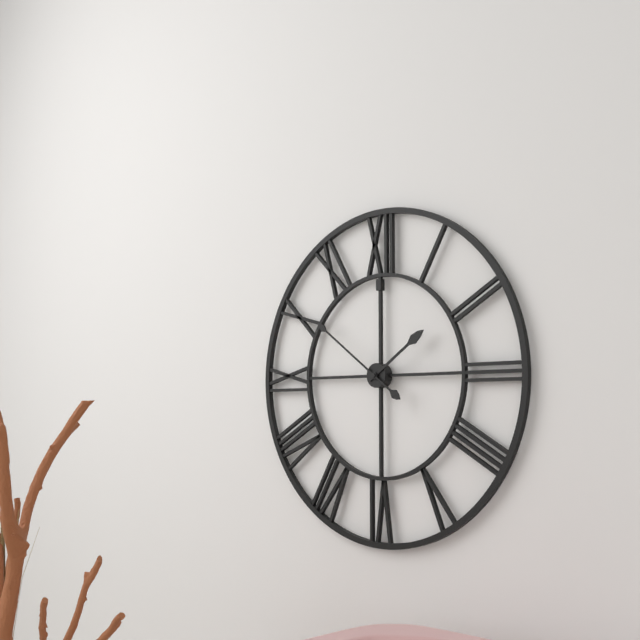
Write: 1:51
